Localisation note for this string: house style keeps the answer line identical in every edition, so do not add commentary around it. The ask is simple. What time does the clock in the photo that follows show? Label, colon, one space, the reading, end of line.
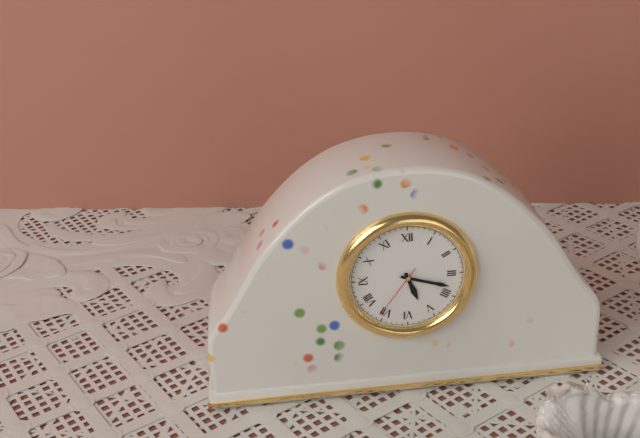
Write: 5:18:36
